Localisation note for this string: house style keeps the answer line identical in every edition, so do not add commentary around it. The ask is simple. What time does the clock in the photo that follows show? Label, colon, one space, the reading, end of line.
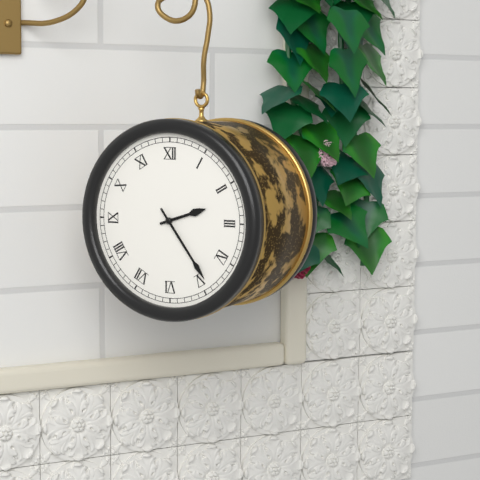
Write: 2:24
